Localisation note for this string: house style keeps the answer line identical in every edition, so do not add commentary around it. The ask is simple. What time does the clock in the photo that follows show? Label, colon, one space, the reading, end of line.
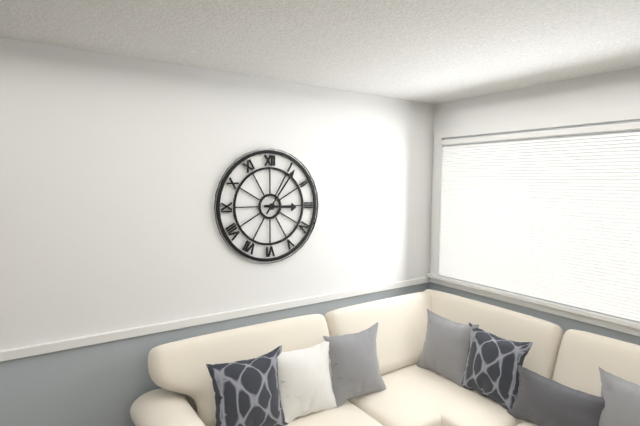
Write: 3:06
